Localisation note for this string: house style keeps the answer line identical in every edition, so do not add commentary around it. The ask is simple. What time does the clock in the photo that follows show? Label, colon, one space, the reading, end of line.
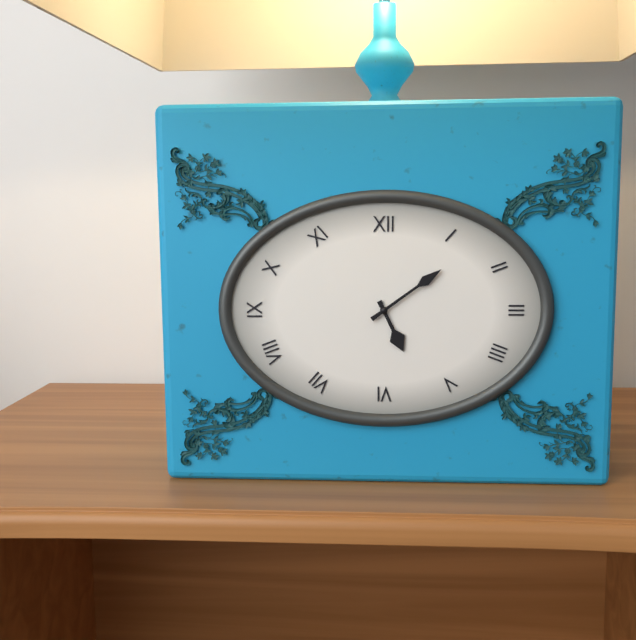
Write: 5:09
